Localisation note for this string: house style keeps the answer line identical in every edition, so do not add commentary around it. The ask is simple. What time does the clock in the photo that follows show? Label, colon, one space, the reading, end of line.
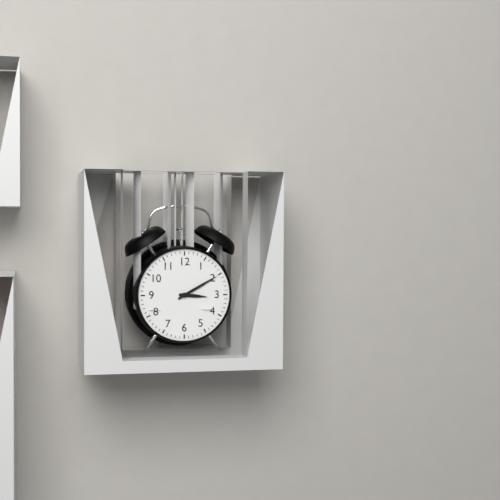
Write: 3:10
